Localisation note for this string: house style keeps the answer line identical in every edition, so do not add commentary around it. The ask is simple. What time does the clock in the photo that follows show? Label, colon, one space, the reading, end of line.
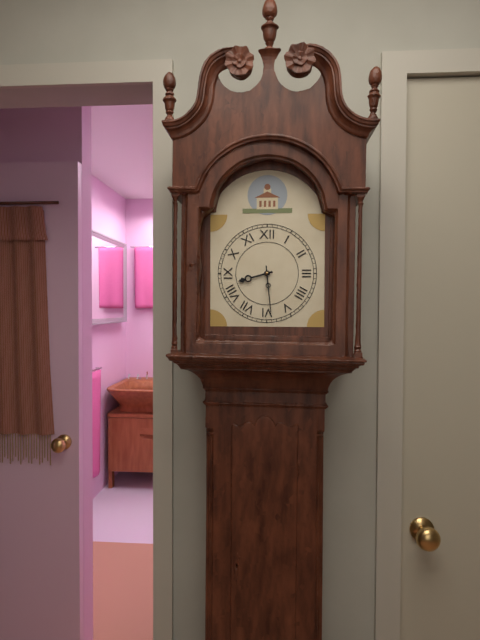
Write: 8:29
